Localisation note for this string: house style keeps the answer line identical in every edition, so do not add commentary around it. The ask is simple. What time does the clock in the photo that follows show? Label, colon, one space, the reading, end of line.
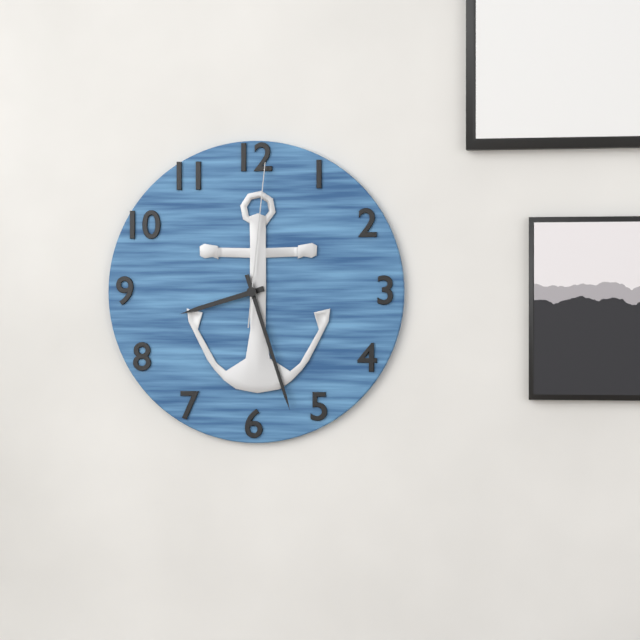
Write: 8:27:01
